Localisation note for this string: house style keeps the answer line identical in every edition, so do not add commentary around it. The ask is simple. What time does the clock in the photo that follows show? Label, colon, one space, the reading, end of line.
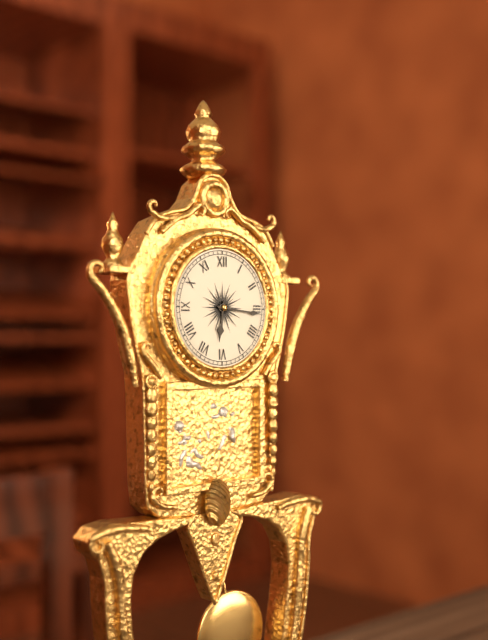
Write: 6:16
